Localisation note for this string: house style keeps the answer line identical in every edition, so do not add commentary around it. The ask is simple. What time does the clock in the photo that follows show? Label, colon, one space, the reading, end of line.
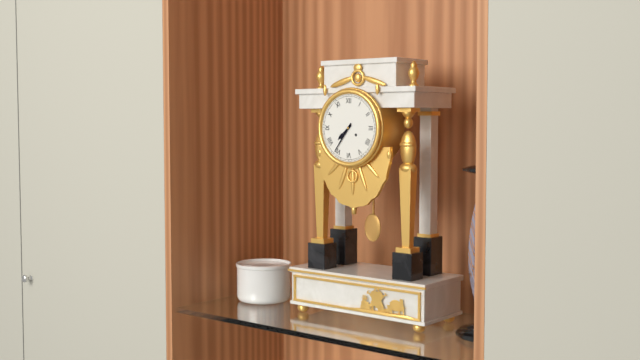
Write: 7:36
